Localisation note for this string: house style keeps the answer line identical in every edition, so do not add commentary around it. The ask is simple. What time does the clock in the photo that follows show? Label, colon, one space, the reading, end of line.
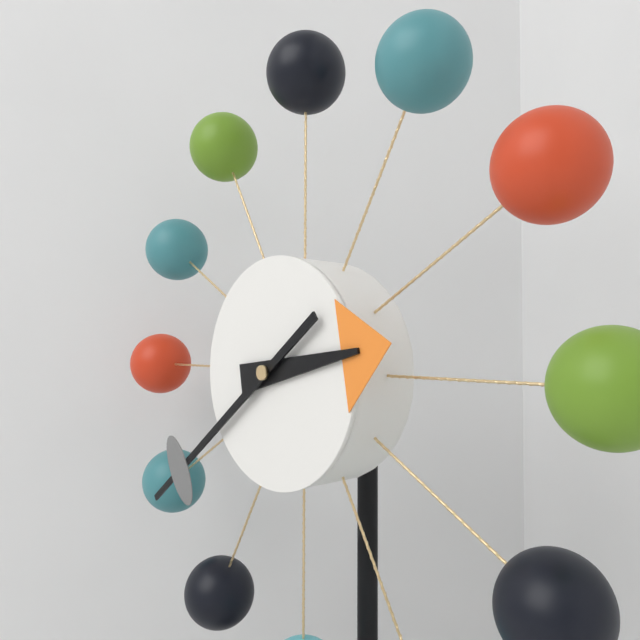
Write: 2:39
